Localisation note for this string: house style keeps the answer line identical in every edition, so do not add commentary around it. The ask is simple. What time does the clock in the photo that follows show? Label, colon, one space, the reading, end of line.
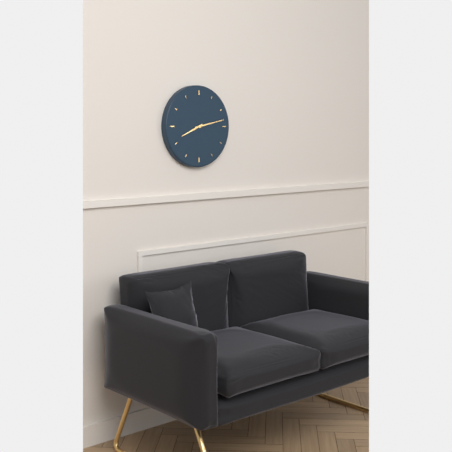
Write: 8:13
